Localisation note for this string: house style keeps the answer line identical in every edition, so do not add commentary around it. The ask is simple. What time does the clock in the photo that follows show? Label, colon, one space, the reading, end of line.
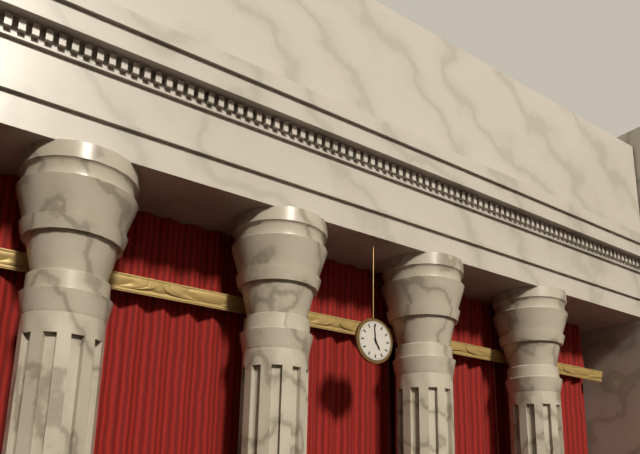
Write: 4:59
